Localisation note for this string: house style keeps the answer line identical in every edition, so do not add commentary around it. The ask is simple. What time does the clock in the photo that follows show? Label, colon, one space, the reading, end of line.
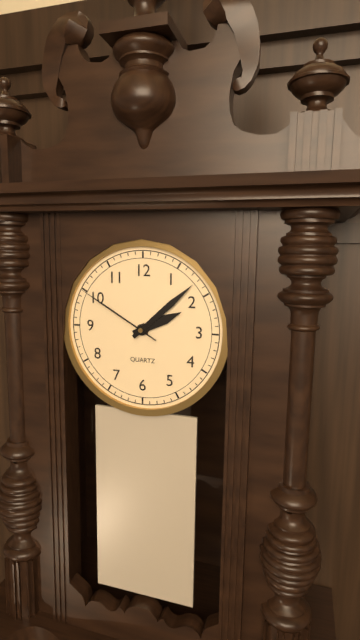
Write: 2:08:50
